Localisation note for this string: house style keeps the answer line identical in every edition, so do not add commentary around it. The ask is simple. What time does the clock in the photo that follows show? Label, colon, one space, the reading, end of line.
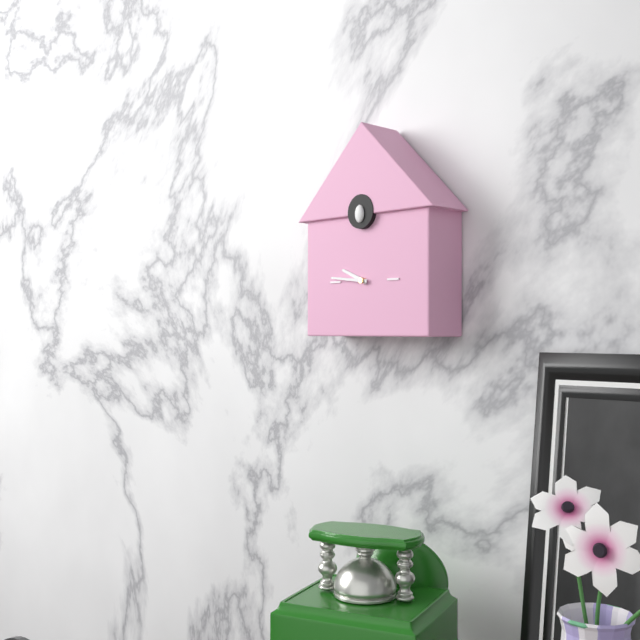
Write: 9:46
